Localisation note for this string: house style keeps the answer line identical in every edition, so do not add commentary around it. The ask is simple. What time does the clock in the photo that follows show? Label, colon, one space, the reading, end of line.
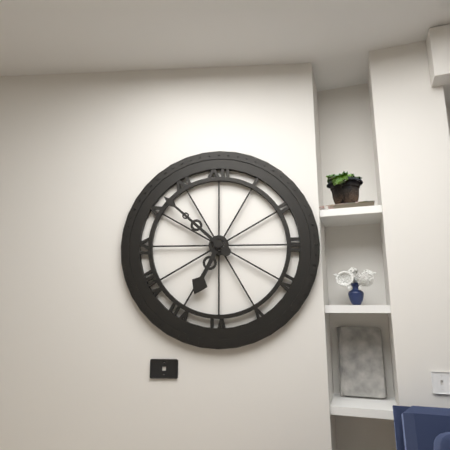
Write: 6:52
